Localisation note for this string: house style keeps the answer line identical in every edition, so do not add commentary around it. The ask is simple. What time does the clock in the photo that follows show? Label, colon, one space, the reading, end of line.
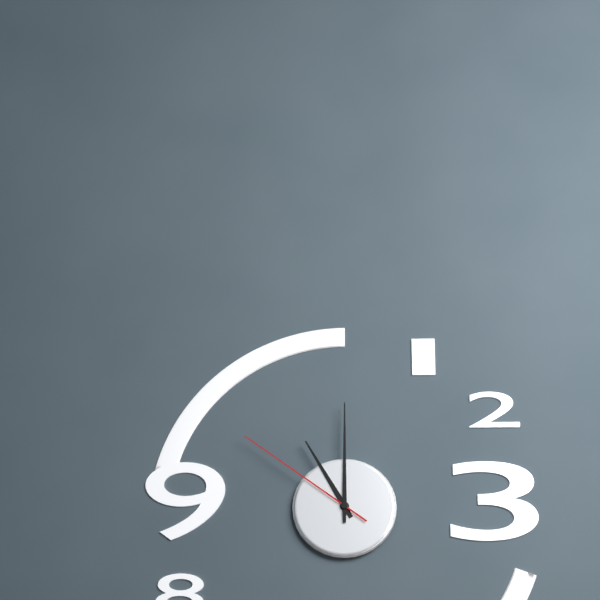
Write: 11:00:51
